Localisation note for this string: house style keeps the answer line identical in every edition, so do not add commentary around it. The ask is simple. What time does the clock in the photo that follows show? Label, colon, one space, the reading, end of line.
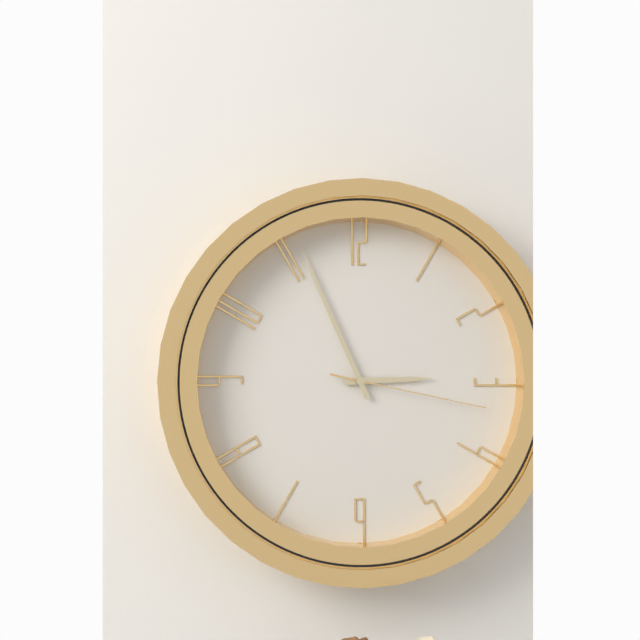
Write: 2:56:17
